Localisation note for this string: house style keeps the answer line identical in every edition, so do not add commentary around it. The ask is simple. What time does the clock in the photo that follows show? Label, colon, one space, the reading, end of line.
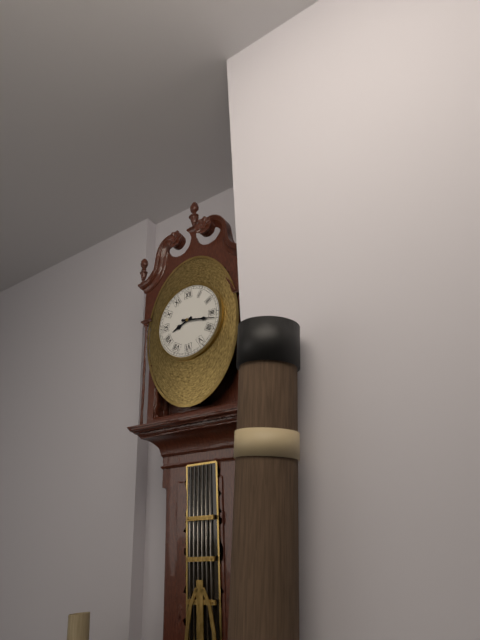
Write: 8:17
